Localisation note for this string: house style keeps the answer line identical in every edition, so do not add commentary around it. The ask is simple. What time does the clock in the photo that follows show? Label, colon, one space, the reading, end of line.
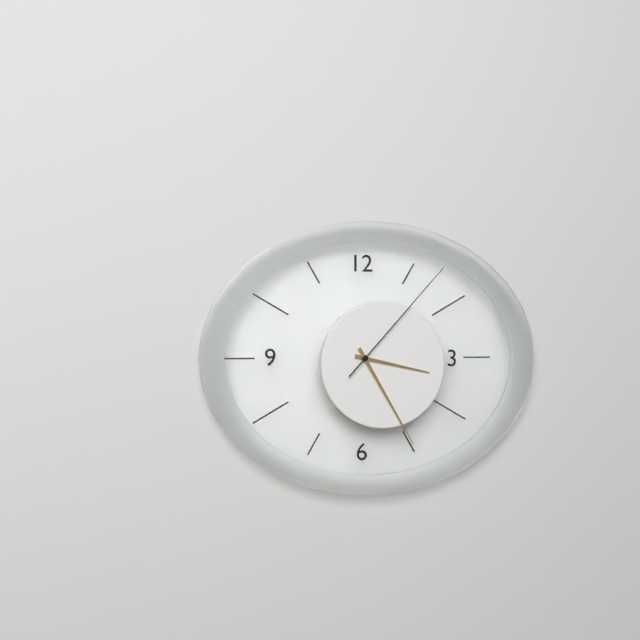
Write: 3:25:07
